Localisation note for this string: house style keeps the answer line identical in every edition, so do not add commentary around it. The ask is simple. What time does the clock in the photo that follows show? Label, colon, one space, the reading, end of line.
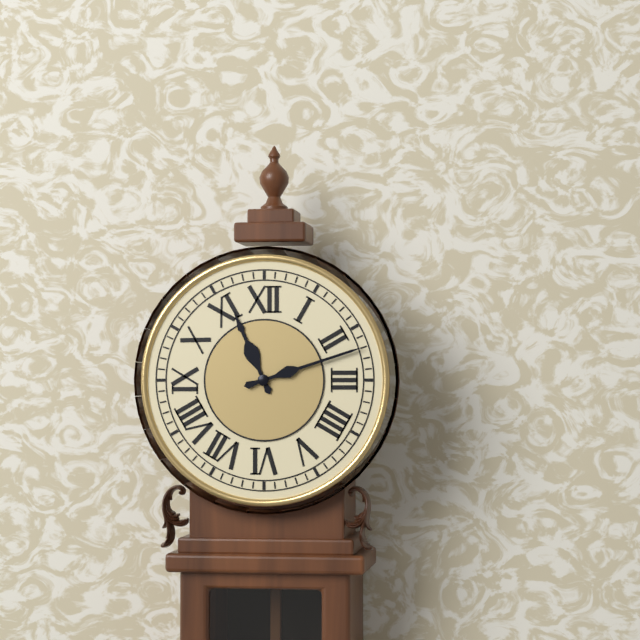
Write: 11:12
